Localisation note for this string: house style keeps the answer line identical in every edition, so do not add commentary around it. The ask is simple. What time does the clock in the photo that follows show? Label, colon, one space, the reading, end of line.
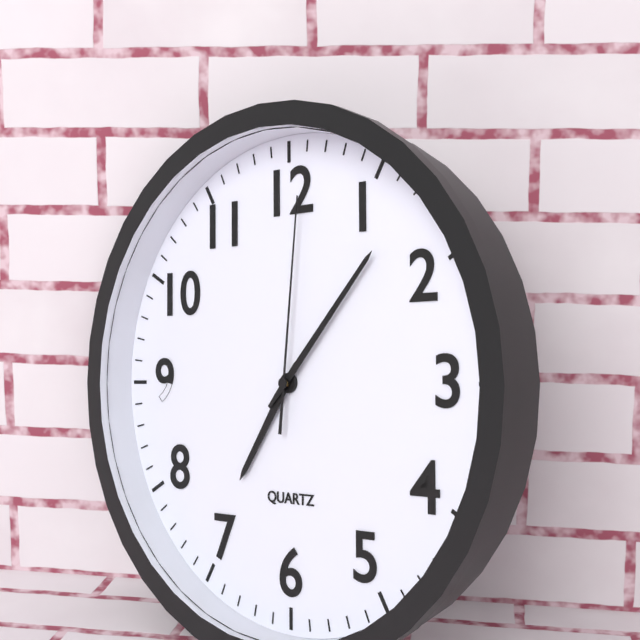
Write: 7:07:01
